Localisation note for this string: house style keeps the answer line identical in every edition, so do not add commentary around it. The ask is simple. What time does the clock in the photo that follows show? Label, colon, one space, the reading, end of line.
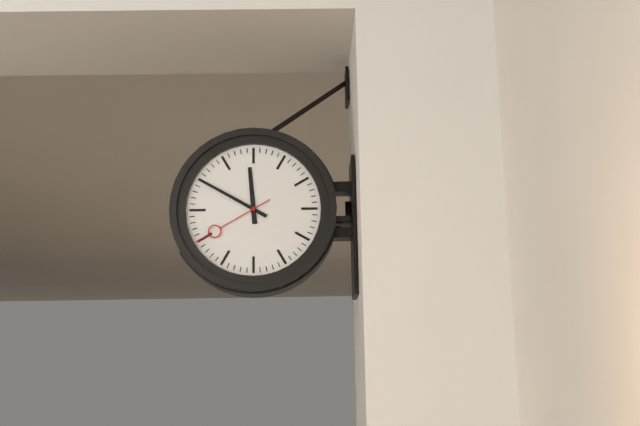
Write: 11:50:40
